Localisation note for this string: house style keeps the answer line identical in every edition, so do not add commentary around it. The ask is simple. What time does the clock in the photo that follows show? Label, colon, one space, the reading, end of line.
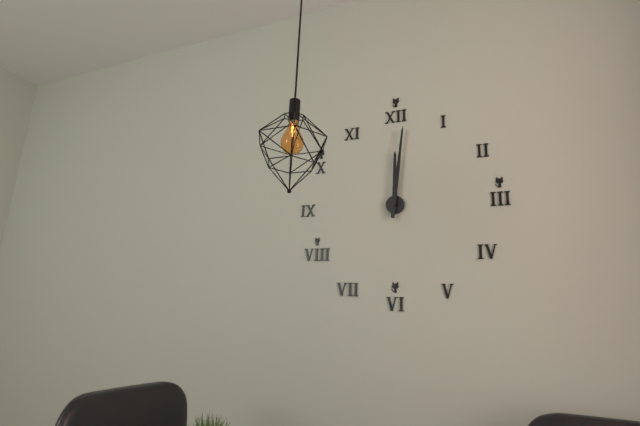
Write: 12:01
